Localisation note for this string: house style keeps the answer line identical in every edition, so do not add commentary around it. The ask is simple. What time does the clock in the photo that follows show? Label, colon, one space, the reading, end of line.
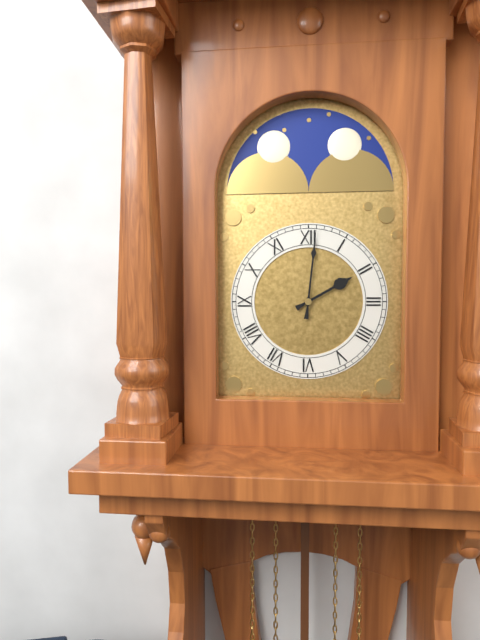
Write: 2:01
